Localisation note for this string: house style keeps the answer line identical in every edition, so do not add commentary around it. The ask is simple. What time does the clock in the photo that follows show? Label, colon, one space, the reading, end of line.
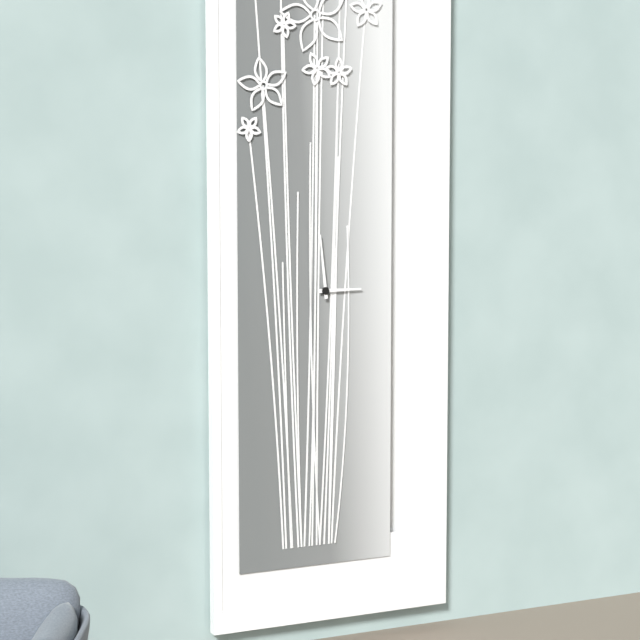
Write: 2:59
